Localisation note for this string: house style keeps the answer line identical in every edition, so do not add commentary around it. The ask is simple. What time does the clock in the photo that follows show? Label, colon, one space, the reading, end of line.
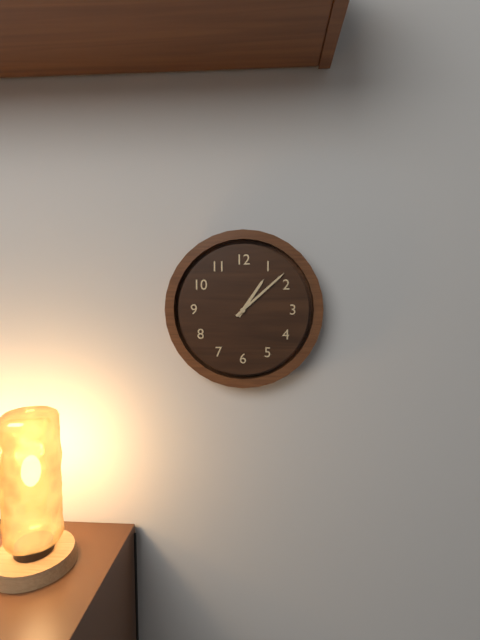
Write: 1:08
